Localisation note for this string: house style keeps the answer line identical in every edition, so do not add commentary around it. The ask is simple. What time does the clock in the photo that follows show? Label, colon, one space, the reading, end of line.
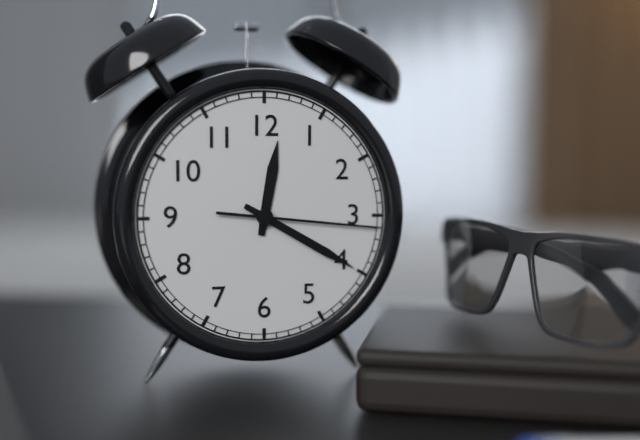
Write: 12:20:16
